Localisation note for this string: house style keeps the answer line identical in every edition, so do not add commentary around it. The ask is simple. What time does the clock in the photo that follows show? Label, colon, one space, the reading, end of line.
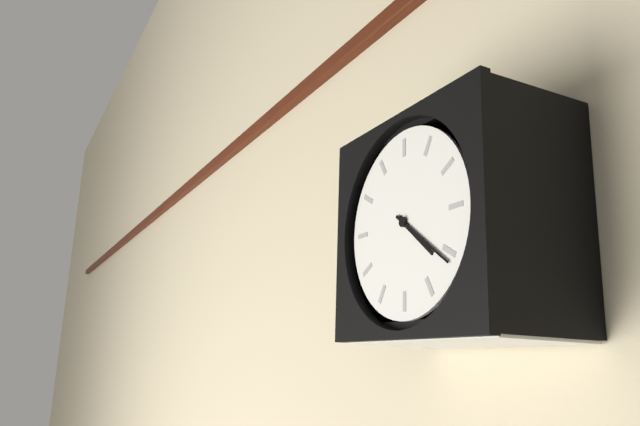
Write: 4:21
